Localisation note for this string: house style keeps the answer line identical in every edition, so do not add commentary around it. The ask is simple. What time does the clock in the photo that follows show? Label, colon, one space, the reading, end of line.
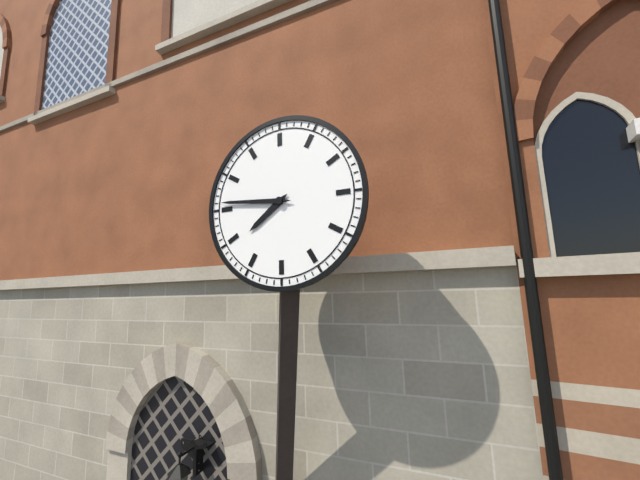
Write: 7:46
